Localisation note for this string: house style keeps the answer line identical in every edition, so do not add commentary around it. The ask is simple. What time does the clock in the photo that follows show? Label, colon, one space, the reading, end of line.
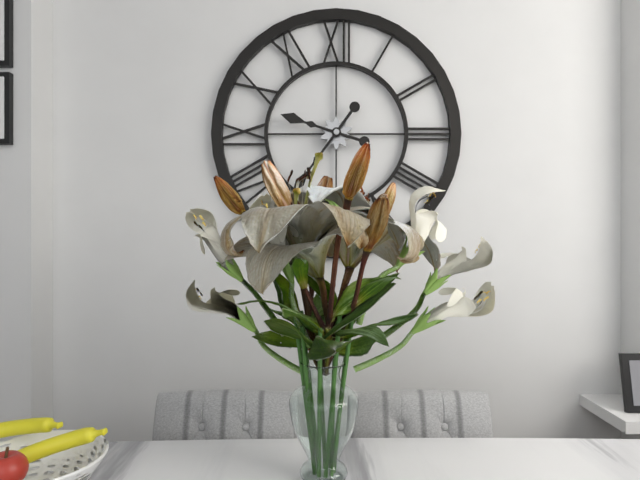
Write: 9:36
